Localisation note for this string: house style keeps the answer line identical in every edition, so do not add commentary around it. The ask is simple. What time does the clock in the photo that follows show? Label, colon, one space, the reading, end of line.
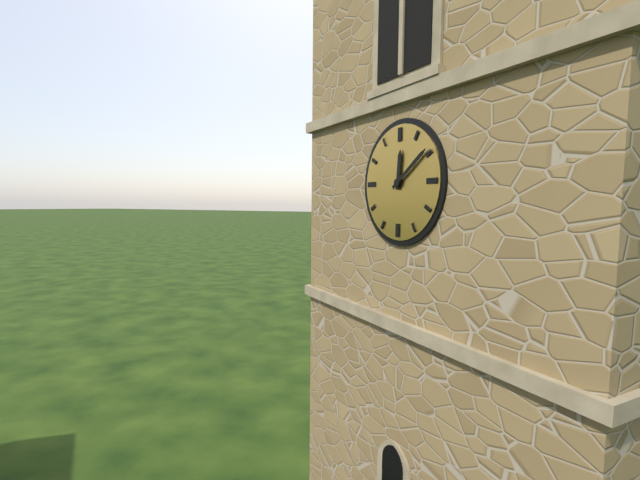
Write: 12:09
